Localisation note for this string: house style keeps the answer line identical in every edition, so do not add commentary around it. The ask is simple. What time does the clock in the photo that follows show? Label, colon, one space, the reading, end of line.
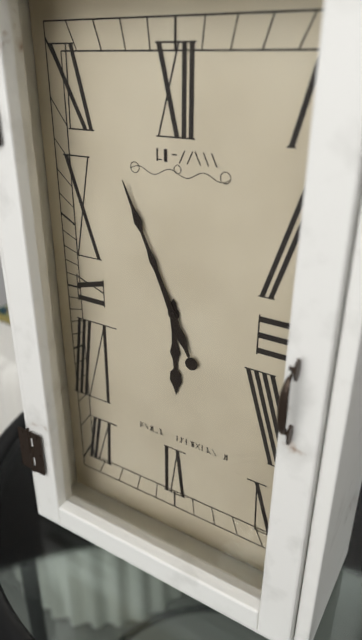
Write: 5:56
